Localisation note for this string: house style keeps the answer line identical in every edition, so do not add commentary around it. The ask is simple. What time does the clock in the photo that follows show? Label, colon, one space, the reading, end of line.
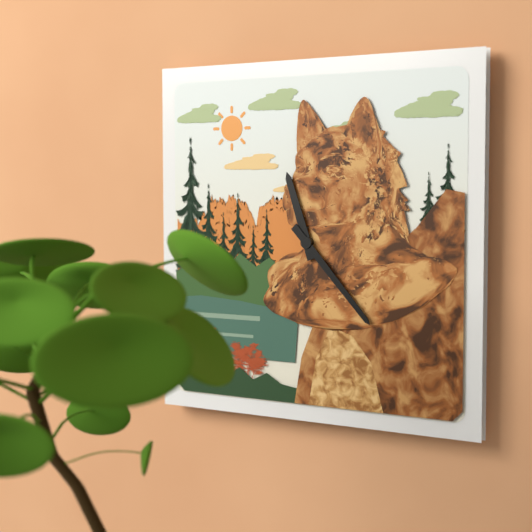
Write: 11:23
